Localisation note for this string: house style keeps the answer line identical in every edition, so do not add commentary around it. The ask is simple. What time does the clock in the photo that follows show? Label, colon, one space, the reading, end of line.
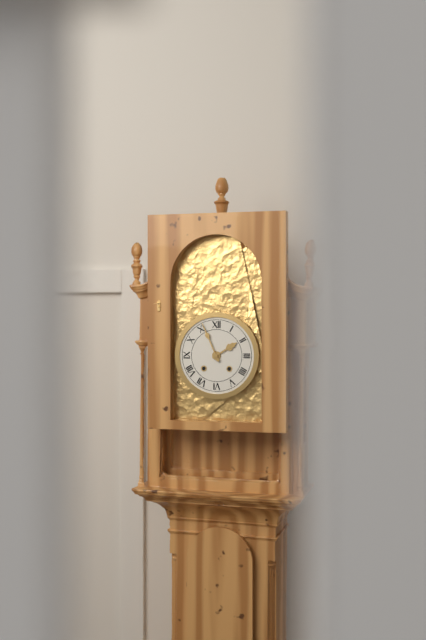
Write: 1:56
